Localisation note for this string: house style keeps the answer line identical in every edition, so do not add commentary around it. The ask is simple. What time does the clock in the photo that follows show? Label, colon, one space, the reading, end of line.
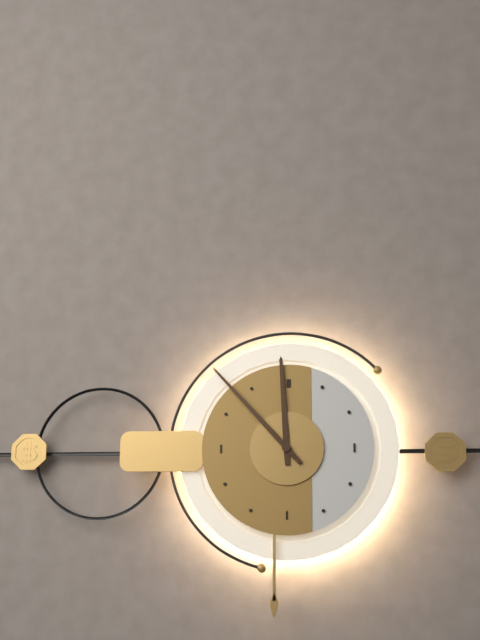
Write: 11:53
